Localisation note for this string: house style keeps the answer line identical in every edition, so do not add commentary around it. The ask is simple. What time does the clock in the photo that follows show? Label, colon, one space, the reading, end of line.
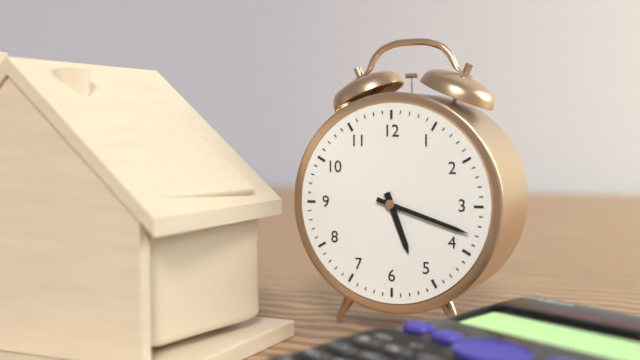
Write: 5:18
